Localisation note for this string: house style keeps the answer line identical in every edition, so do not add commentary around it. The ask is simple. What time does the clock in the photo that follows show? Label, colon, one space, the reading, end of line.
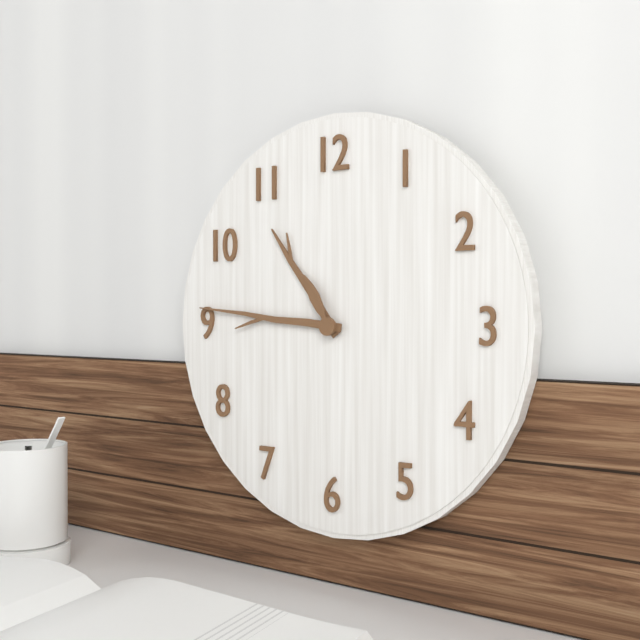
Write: 10:46:55
